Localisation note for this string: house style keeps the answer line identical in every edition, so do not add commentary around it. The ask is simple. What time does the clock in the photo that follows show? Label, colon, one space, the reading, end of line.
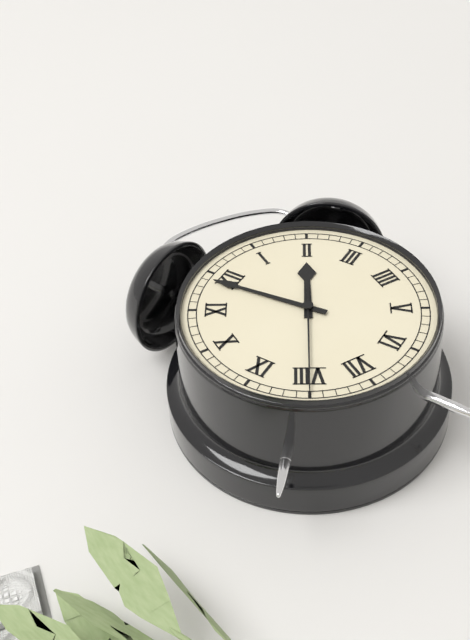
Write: 1:59:40
